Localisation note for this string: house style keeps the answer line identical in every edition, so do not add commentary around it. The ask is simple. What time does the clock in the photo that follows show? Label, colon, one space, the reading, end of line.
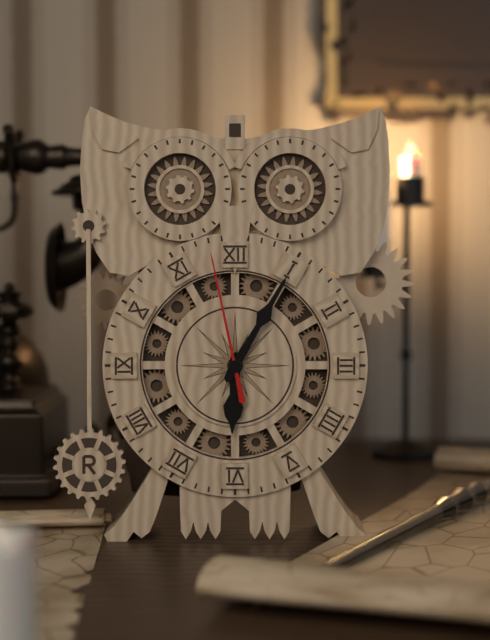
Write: 6:05:58
